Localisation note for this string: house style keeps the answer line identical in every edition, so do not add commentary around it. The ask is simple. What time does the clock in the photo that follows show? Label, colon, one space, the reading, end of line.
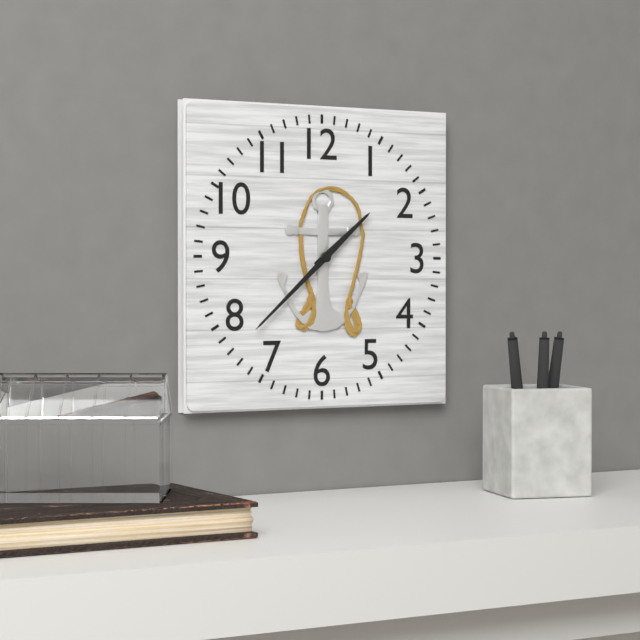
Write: 1:38
